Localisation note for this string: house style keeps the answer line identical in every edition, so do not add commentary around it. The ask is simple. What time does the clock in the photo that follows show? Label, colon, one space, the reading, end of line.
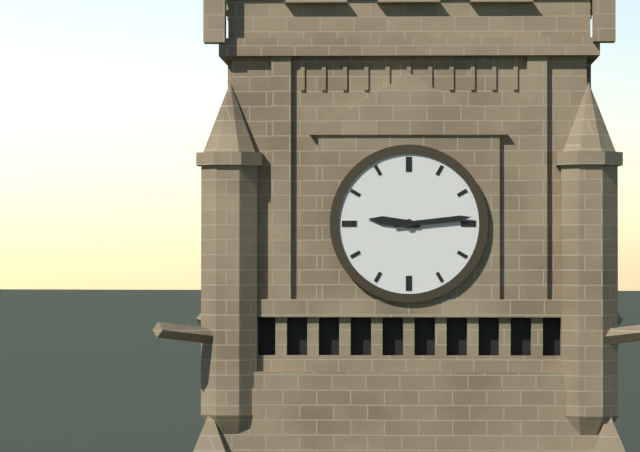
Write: 9:14
